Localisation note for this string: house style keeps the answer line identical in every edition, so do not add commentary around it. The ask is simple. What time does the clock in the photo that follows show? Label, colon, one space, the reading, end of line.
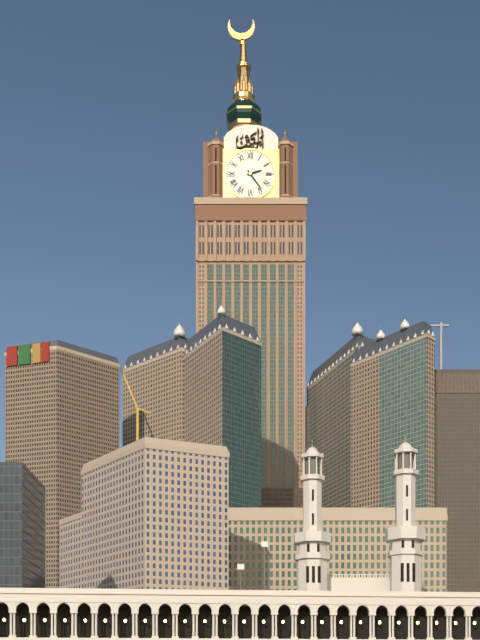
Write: 2:24
